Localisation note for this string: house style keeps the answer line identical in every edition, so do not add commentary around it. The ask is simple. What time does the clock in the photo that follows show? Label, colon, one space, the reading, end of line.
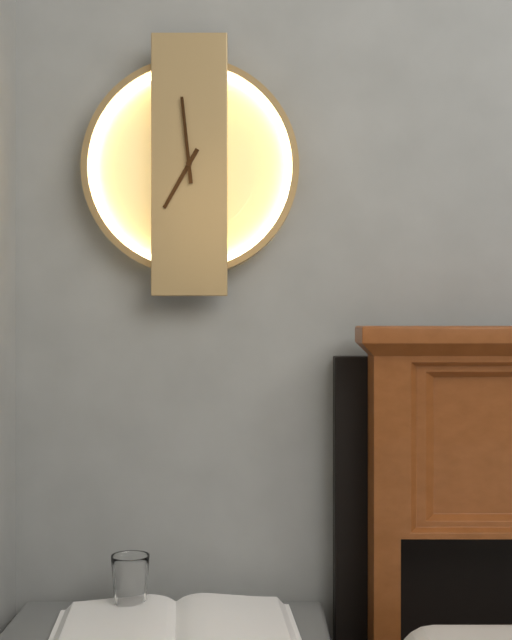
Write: 6:59
